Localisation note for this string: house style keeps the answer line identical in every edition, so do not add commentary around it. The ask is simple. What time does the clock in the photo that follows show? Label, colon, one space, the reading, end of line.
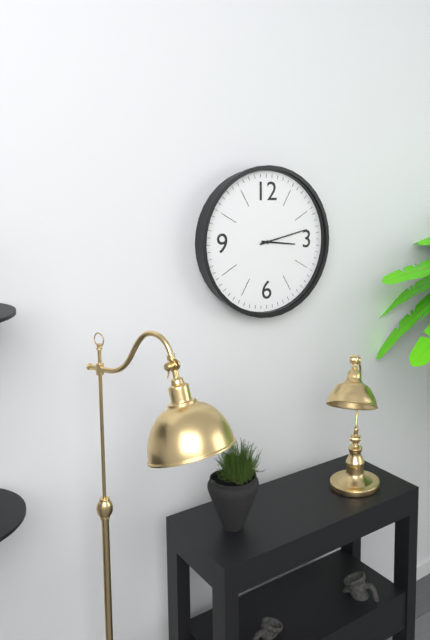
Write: 3:13
